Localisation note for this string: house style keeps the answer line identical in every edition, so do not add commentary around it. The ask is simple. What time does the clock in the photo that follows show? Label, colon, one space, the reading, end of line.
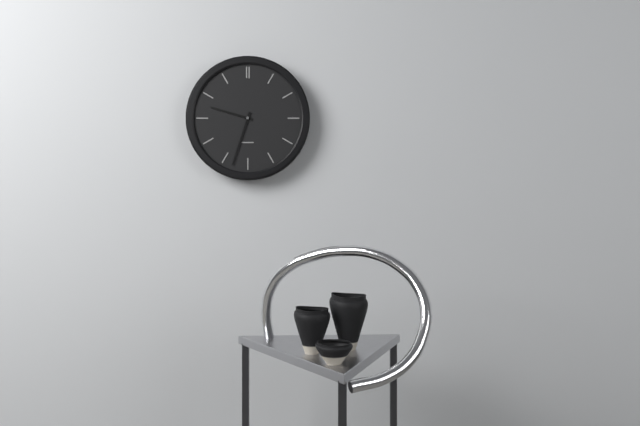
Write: 9:33
